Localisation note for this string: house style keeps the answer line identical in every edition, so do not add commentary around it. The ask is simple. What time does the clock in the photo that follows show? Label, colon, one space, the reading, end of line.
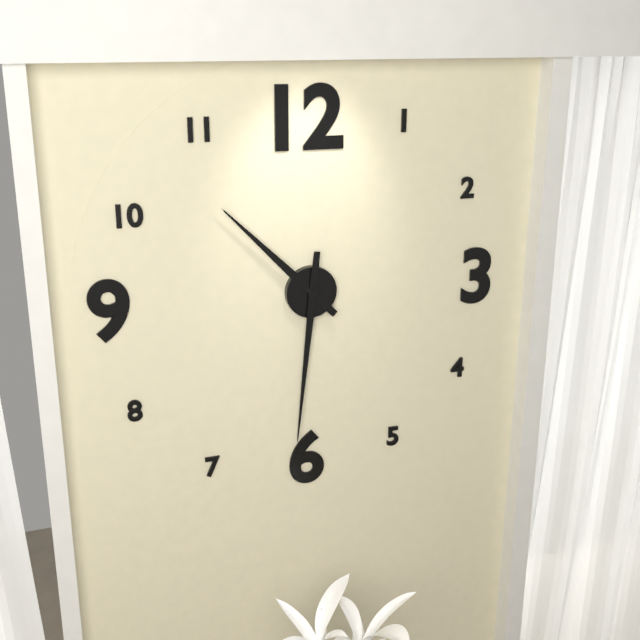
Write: 10:31
